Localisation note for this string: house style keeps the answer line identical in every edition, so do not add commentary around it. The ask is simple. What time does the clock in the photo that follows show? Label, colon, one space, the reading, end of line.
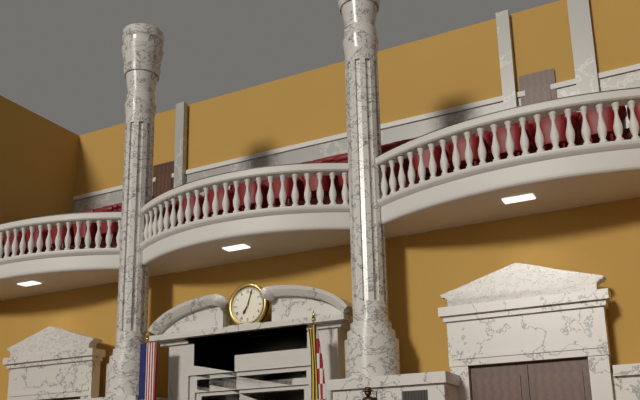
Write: 7:03
